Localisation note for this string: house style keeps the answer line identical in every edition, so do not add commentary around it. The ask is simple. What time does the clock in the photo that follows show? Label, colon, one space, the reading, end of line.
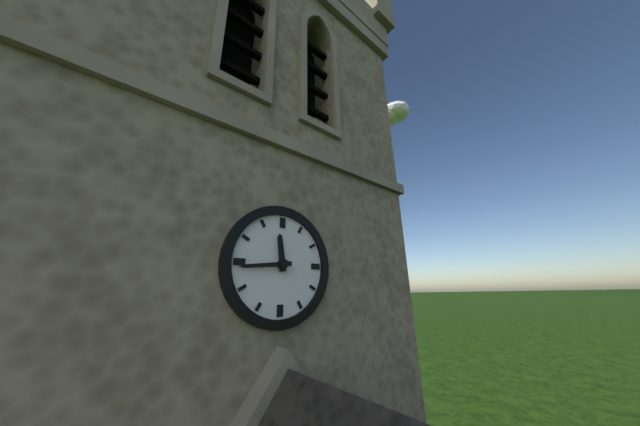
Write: 11:44
